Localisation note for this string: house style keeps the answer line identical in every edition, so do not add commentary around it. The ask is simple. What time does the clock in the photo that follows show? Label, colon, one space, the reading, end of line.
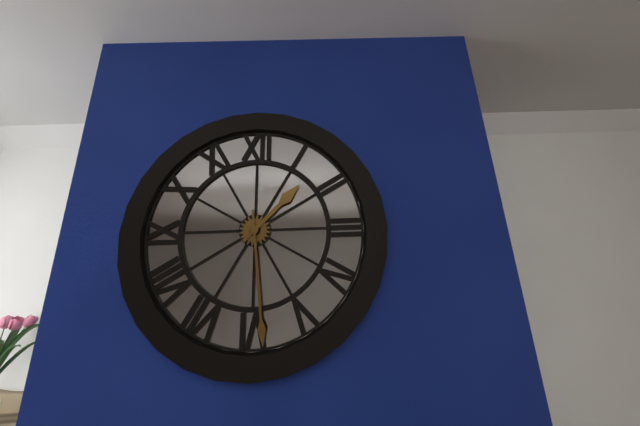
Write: 1:29
